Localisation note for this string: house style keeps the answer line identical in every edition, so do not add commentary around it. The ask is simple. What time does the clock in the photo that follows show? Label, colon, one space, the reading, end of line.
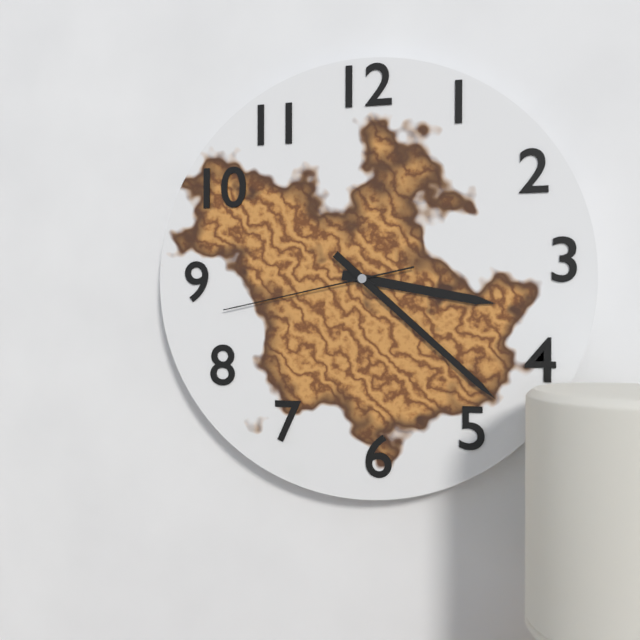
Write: 3:22:43
